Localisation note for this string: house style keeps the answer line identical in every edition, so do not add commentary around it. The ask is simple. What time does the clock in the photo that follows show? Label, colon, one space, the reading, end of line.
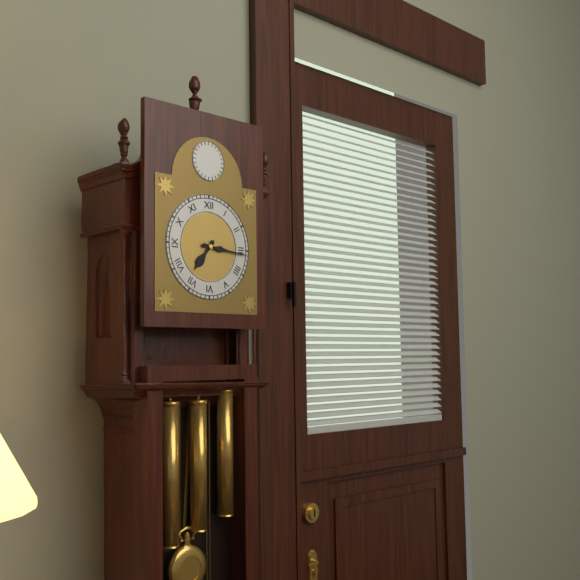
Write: 7:16
